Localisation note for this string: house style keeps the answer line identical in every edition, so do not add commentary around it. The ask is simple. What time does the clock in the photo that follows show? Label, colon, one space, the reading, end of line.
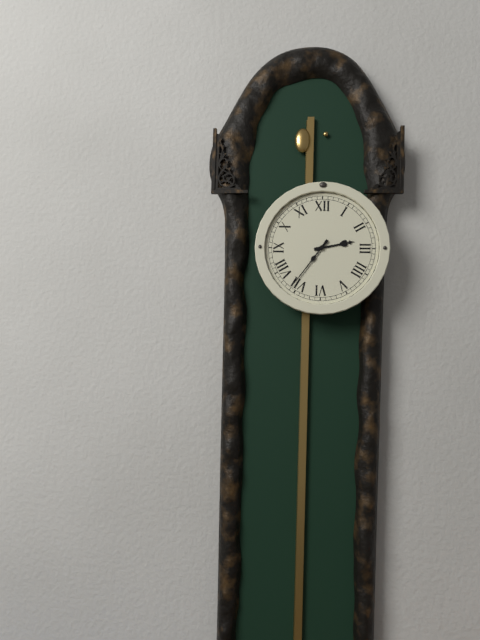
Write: 2:36
